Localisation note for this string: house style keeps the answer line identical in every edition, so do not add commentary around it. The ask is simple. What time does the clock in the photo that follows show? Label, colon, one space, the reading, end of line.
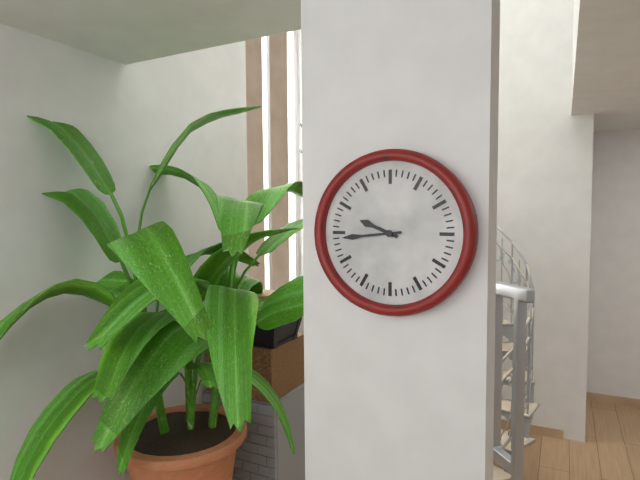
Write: 9:44
